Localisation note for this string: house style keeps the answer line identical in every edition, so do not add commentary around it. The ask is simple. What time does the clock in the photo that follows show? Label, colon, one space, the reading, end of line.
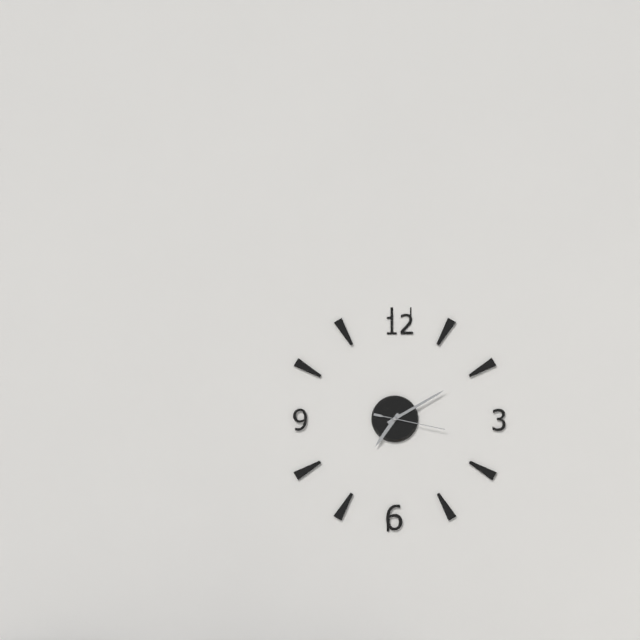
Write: 7:10:17
